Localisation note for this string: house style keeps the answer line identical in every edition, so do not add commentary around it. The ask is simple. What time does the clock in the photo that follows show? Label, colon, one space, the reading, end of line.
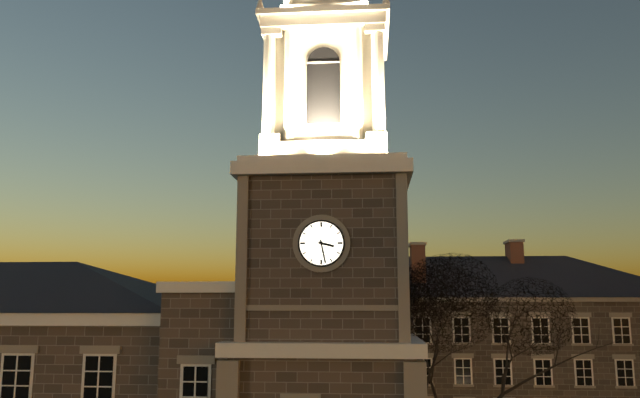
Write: 3:28
